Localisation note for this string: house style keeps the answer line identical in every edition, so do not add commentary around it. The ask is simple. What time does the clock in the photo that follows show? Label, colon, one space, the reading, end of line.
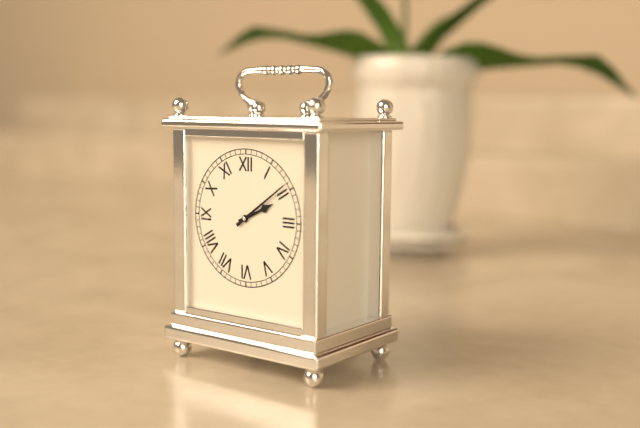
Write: 2:09
